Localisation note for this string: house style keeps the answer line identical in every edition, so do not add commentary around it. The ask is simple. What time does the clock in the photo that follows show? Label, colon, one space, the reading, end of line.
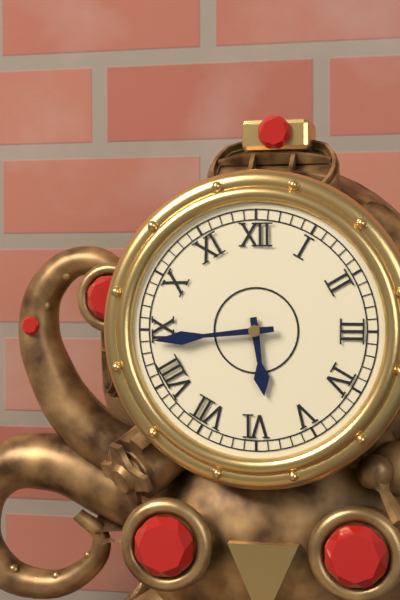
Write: 5:44
